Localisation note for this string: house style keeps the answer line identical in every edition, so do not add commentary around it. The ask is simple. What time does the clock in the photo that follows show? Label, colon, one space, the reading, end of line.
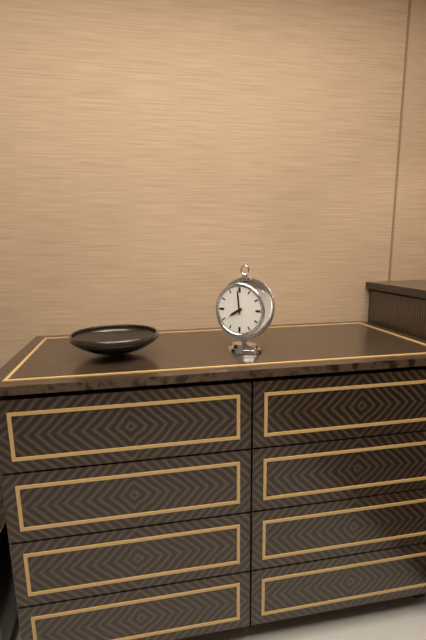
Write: 7:59
